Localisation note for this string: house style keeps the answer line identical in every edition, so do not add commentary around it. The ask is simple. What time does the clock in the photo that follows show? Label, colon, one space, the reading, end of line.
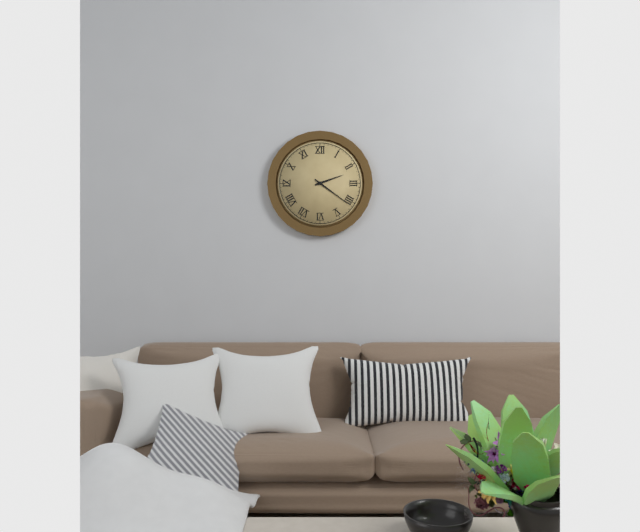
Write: 2:21
